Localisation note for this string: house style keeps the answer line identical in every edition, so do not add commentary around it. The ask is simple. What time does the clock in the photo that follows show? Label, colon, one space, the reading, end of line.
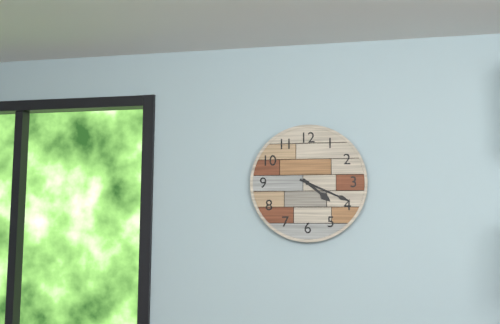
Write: 4:19
